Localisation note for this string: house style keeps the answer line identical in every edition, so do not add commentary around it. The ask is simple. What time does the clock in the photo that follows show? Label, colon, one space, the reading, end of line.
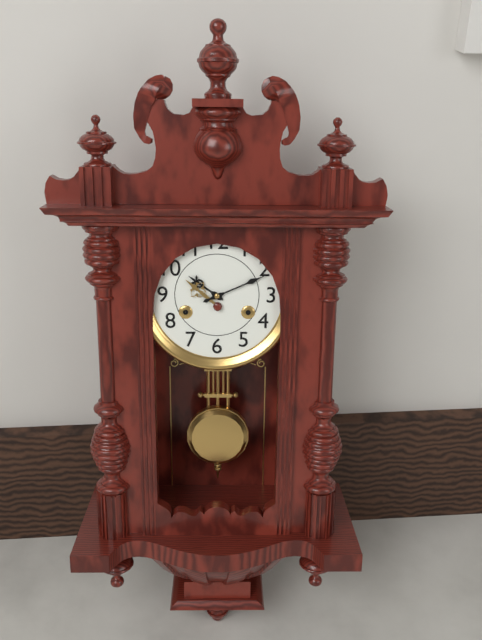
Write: 10:11
